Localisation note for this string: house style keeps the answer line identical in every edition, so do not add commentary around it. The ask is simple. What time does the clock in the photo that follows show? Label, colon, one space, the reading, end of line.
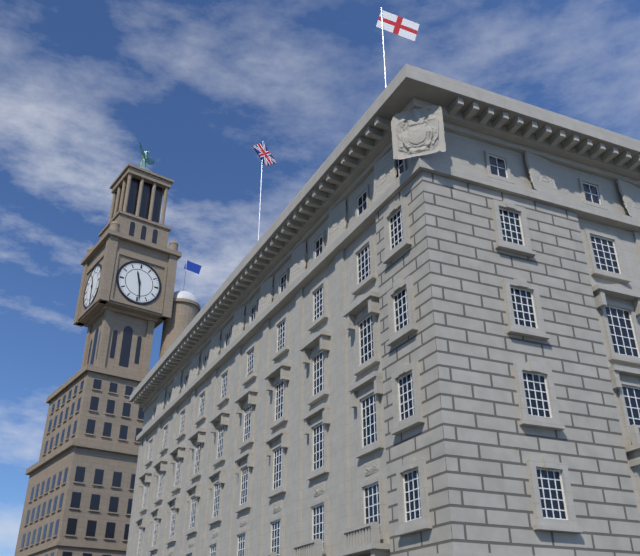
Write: 11:29
